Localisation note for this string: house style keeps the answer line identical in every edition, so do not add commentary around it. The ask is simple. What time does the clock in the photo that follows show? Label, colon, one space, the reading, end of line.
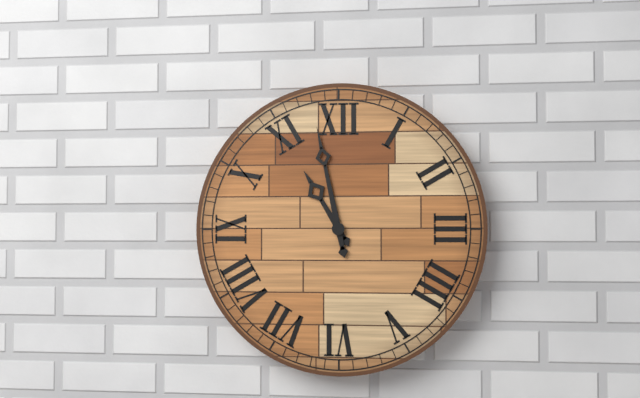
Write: 10:58
